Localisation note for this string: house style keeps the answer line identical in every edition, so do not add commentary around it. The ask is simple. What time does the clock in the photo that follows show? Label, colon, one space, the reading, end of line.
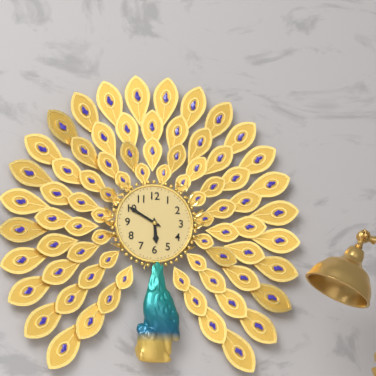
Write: 5:50
